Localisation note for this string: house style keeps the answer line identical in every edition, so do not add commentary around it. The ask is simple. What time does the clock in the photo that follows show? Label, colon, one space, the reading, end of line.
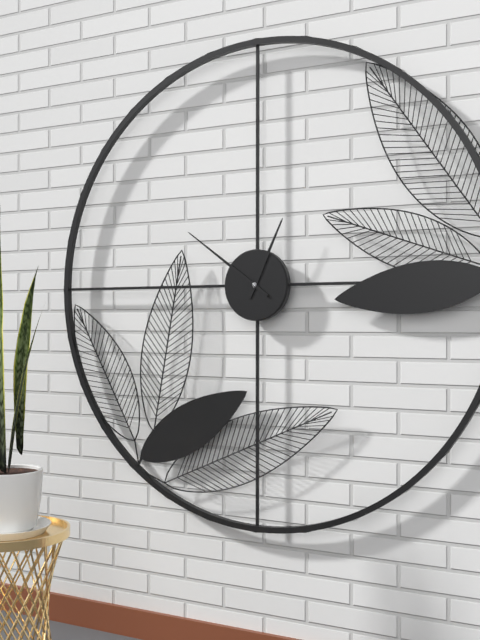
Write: 12:51
